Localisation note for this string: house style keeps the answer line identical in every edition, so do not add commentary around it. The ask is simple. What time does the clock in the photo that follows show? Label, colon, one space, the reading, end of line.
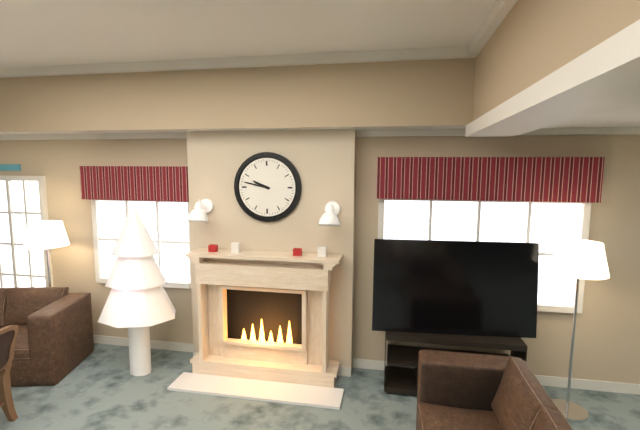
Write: 9:47
